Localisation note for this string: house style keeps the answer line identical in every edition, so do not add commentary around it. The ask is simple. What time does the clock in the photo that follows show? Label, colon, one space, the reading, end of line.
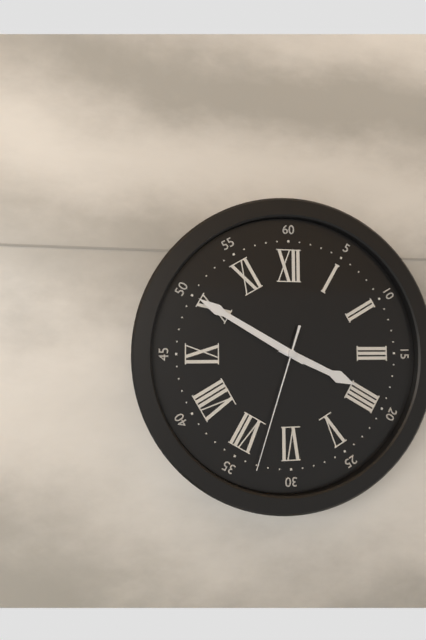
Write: 3:50:33
